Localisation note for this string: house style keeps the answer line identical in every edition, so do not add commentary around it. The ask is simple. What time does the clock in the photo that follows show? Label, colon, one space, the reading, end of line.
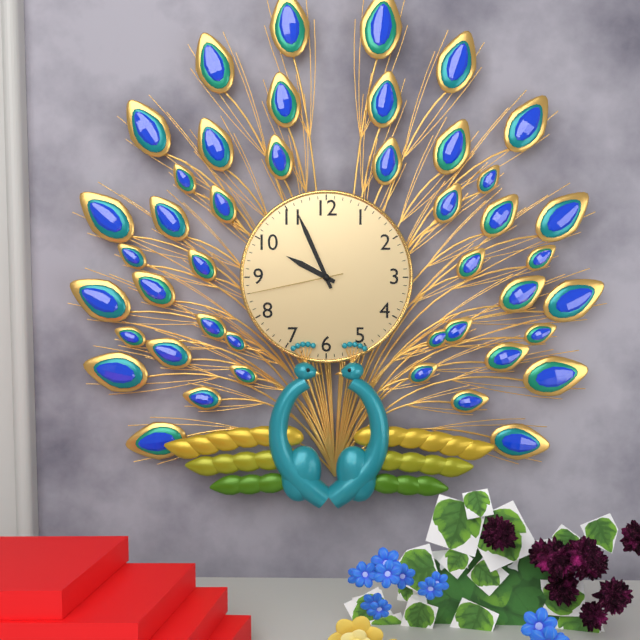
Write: 9:56:43
